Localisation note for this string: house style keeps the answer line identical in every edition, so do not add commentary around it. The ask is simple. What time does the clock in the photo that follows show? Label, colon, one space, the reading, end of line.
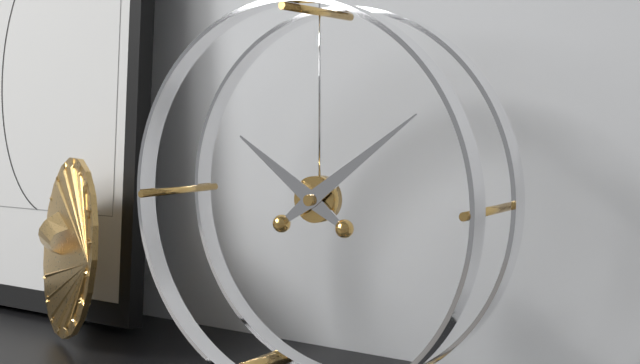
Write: 10:09
